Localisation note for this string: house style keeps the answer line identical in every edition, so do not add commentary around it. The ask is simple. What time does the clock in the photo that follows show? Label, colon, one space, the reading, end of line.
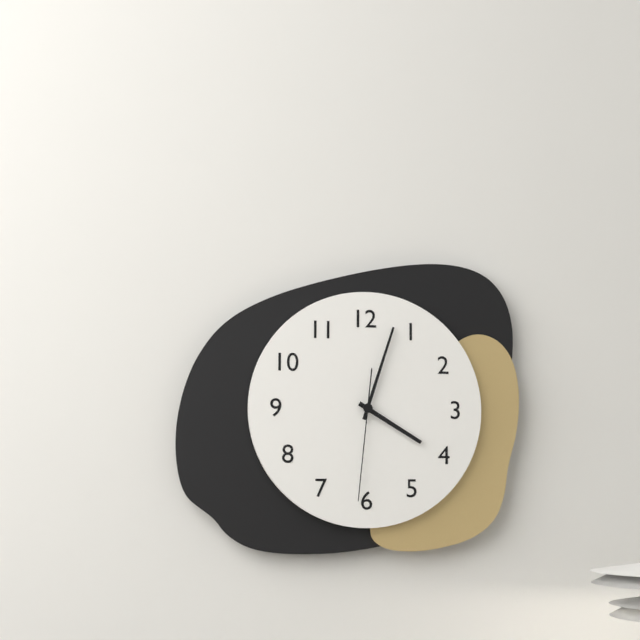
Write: 4:03:31
